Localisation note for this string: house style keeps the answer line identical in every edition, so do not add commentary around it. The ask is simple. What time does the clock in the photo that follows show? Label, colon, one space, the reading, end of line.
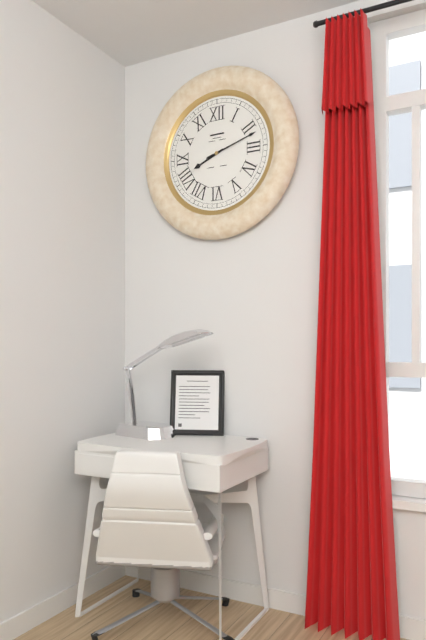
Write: 8:12
